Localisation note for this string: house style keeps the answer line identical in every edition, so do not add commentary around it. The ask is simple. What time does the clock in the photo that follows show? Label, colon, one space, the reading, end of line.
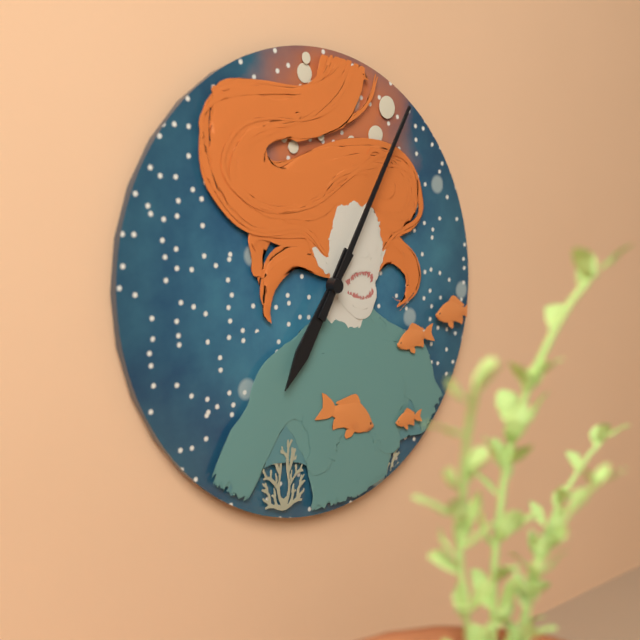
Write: 7:05
